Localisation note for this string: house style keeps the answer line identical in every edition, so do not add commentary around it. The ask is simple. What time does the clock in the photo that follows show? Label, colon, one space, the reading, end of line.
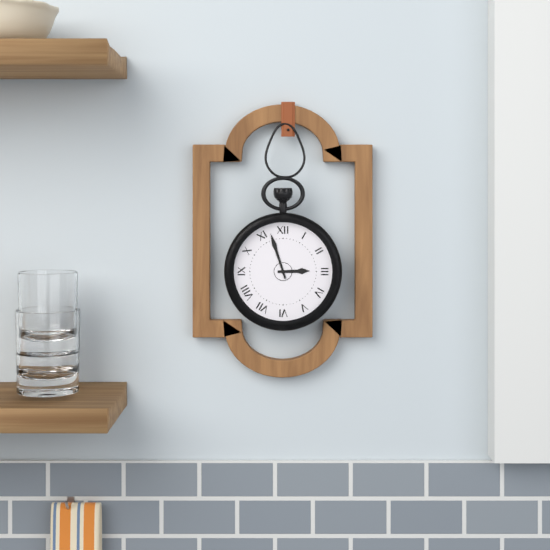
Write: 2:57
